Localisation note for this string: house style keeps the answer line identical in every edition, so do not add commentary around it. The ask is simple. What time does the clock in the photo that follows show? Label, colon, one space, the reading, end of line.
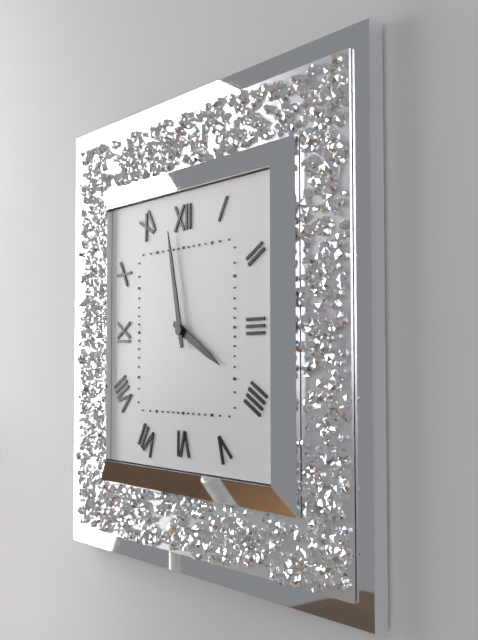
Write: 3:58
